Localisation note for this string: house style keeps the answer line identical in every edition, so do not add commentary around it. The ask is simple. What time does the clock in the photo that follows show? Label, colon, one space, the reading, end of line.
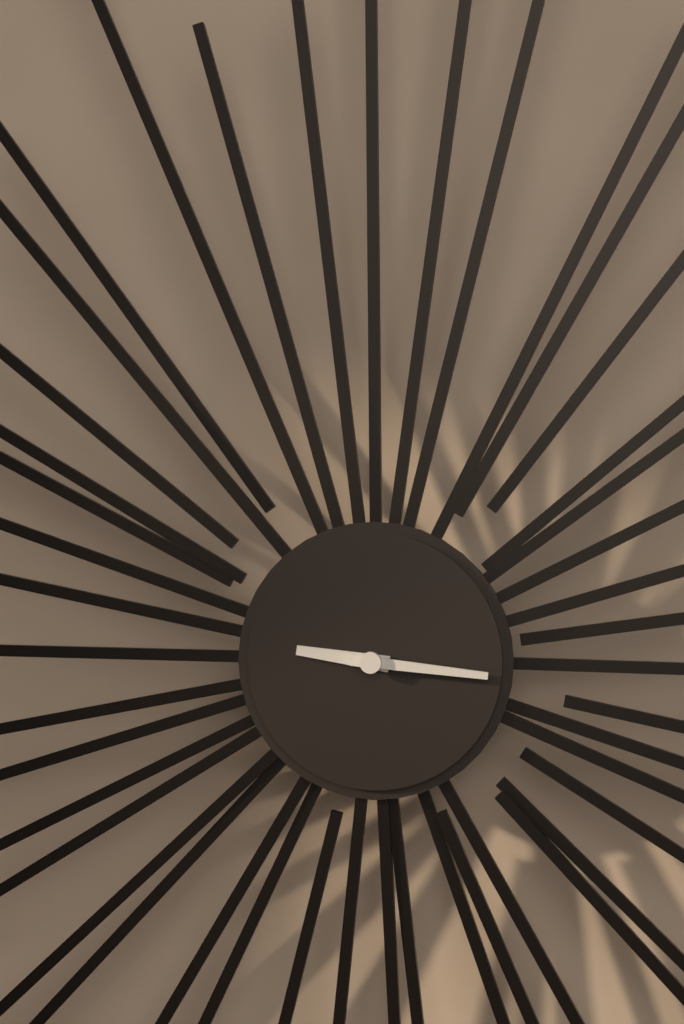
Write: 9:16
